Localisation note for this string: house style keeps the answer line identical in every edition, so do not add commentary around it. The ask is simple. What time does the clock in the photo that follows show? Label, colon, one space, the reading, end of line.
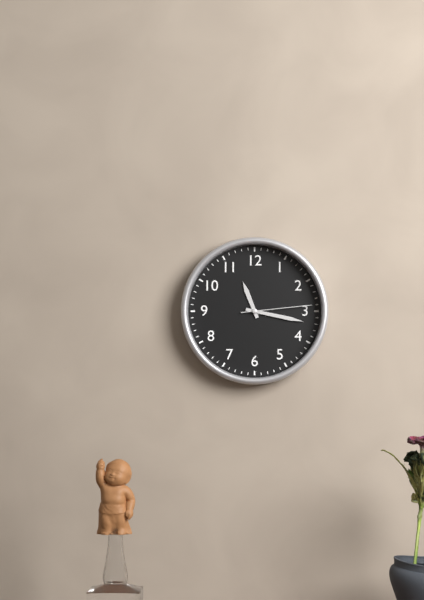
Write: 11:17:14
